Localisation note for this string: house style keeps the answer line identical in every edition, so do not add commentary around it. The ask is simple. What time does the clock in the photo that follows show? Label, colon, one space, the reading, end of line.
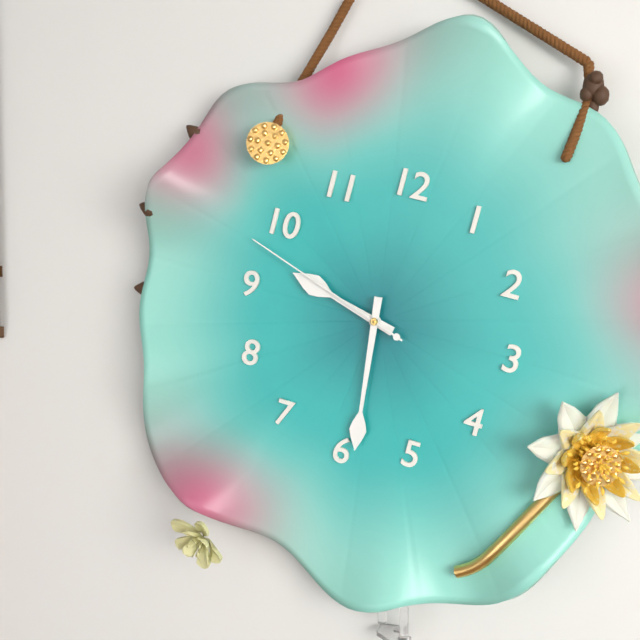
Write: 9:29:48
